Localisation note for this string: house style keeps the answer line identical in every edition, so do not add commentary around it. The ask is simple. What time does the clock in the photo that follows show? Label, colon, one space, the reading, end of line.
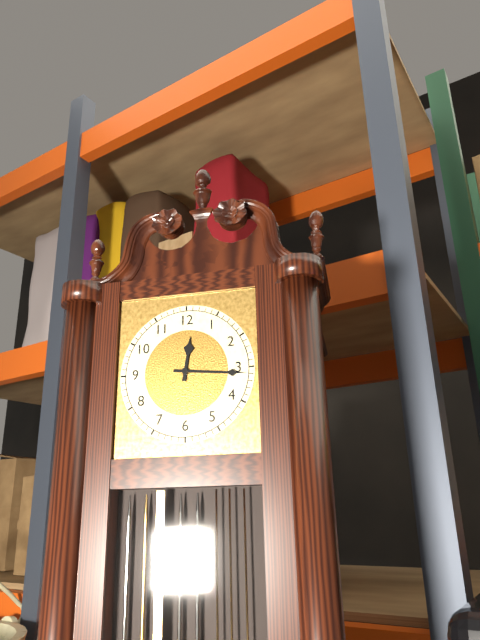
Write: 12:16
